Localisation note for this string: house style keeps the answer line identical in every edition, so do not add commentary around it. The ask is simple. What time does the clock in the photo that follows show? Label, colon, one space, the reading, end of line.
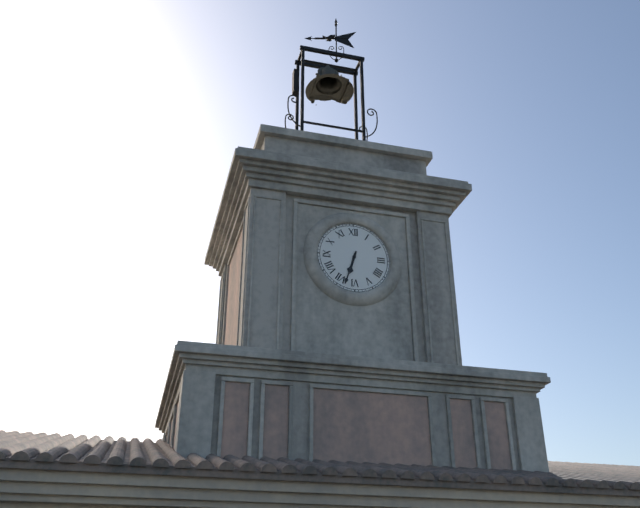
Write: 6:33
